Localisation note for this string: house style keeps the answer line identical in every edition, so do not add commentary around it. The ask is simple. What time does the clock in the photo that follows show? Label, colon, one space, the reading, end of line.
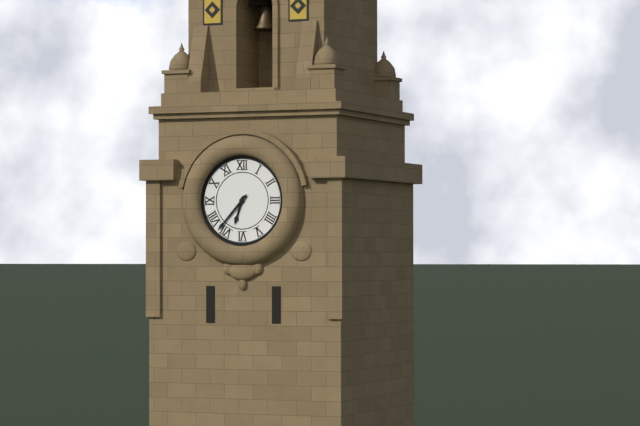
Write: 6:37
